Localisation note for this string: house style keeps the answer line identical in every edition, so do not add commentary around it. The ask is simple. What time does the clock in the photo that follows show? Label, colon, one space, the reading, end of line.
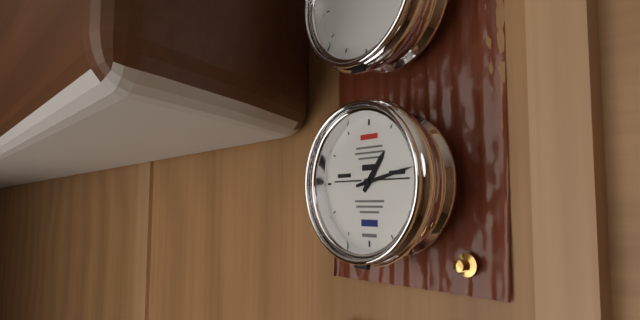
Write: 1:13
